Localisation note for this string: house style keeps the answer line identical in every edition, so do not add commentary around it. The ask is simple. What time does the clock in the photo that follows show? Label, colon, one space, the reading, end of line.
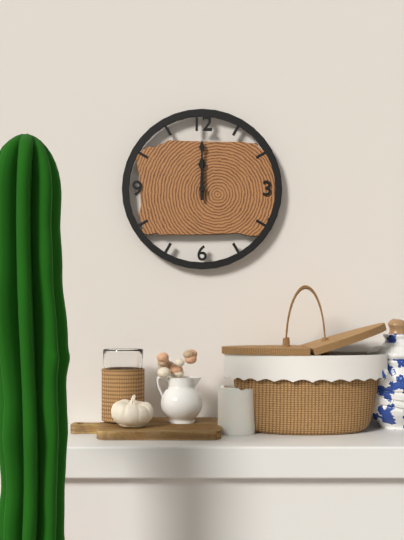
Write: 12:00
